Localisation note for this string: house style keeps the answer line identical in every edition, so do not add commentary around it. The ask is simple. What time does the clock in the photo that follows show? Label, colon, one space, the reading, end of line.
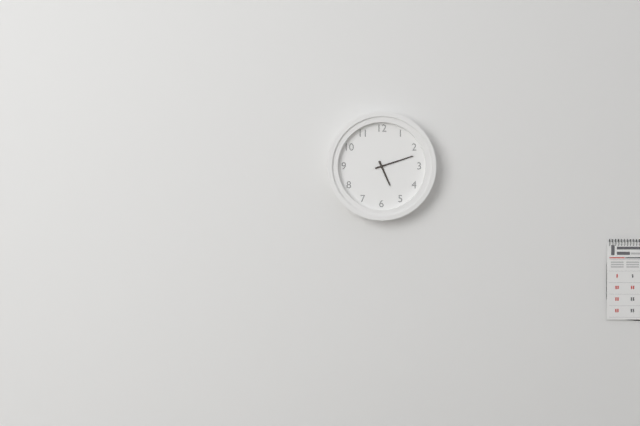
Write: 5:12
